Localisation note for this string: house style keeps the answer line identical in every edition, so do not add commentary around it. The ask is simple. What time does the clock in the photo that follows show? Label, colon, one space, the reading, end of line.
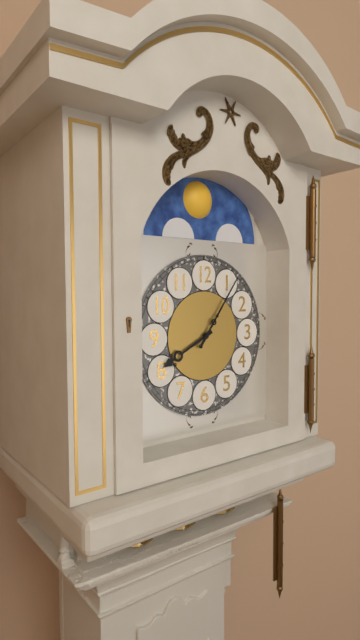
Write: 8:06
